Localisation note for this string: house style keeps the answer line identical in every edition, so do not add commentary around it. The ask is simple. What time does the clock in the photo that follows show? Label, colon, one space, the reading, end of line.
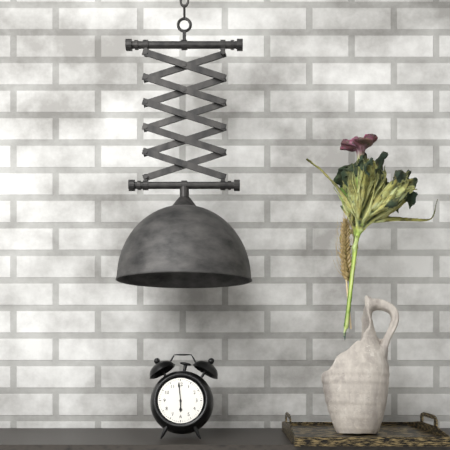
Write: 5:59
